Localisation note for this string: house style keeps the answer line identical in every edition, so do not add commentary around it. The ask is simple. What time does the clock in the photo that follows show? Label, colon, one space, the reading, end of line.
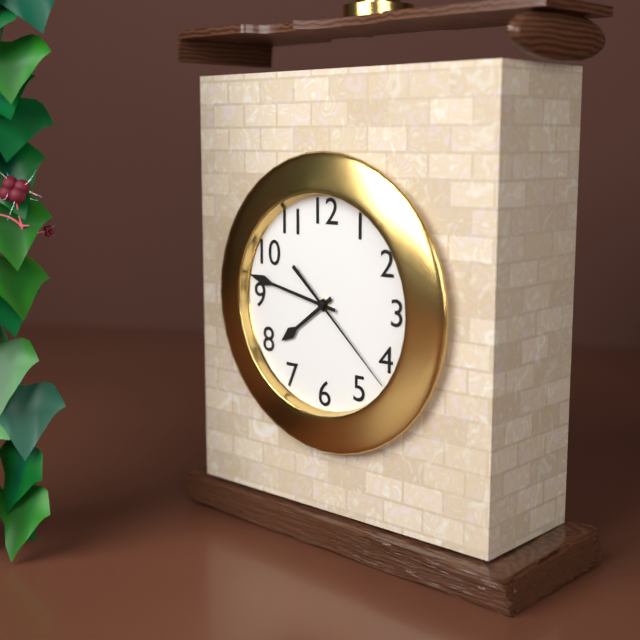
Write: 7:47:22
